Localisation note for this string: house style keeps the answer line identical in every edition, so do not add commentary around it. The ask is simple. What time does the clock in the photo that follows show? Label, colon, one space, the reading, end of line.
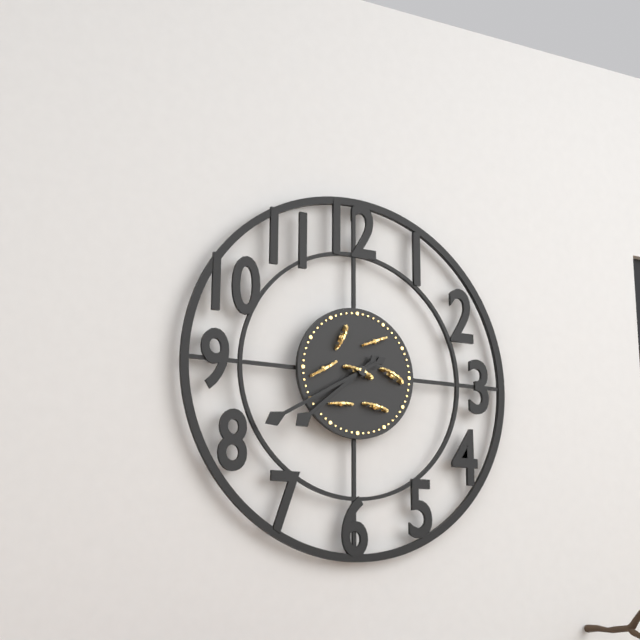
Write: 7:40
